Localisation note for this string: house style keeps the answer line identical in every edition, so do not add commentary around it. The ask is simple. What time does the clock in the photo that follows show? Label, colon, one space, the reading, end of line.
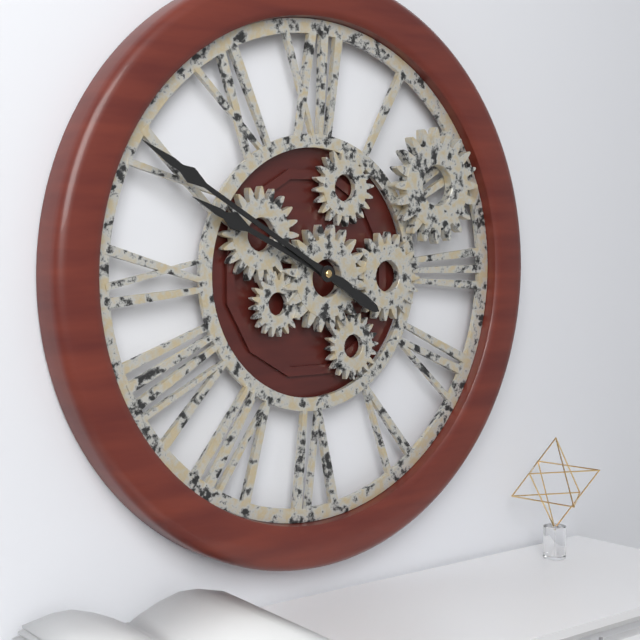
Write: 9:50
